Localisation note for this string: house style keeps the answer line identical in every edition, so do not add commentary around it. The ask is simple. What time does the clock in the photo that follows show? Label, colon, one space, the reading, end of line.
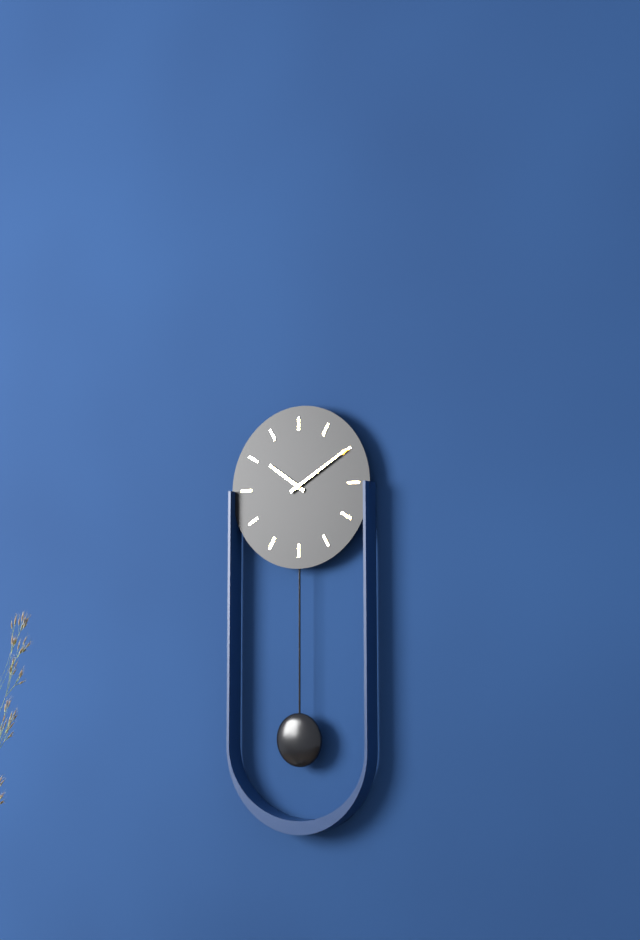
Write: 10:10
